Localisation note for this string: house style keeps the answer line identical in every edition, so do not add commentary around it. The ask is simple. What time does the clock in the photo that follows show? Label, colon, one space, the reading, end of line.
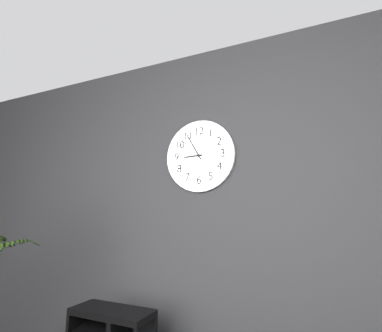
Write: 8:55
